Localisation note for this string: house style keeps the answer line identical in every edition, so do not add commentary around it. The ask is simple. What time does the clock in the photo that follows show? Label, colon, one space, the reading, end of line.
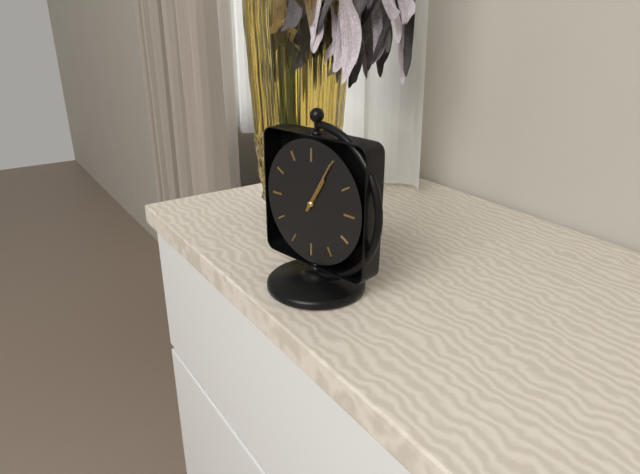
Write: 1:05
